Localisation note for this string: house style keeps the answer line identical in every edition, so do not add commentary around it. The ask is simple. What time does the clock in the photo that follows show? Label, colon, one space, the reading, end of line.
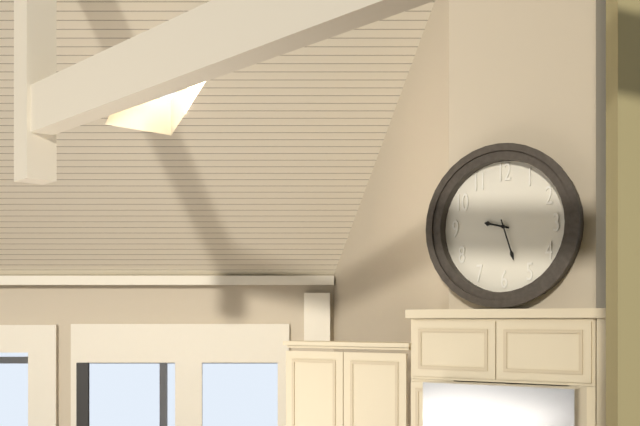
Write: 9:27
